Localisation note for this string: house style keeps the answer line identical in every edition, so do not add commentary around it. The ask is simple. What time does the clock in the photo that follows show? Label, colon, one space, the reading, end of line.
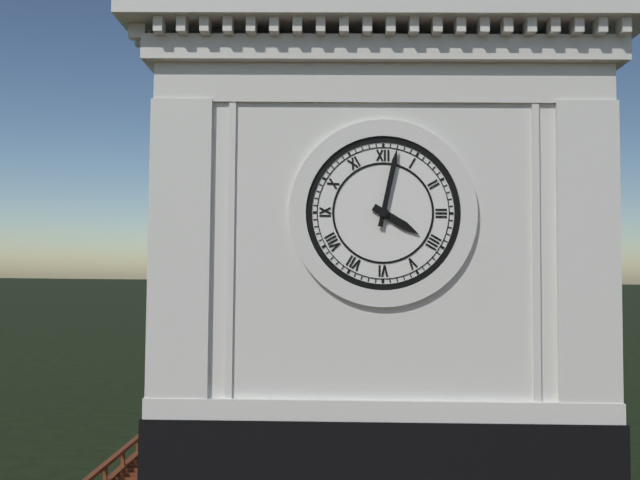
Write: 4:02
